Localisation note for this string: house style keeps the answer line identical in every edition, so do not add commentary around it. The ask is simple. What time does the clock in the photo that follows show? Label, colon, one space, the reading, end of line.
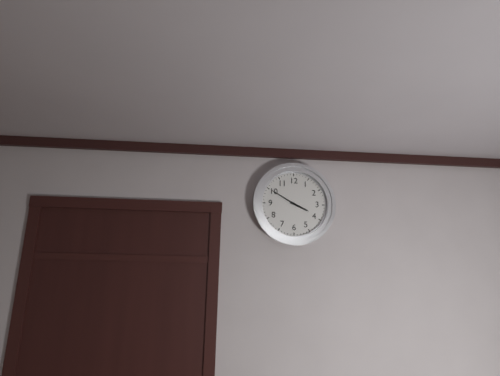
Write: 3:50
